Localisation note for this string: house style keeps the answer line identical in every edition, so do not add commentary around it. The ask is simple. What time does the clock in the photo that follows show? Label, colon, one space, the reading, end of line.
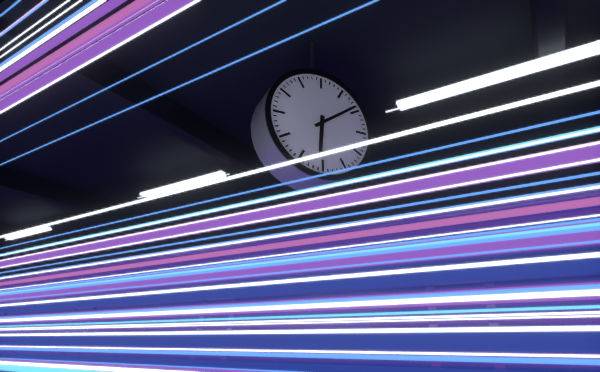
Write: 6:09
